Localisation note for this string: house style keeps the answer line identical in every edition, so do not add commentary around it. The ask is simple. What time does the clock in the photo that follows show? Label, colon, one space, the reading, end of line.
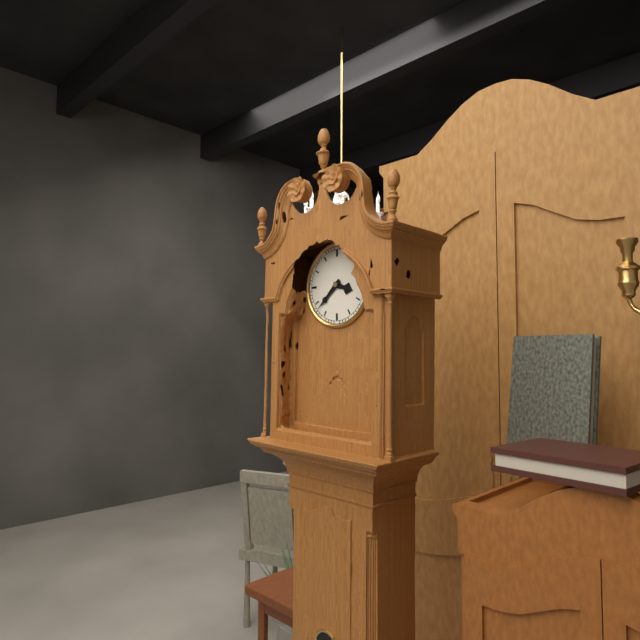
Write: 3:38
